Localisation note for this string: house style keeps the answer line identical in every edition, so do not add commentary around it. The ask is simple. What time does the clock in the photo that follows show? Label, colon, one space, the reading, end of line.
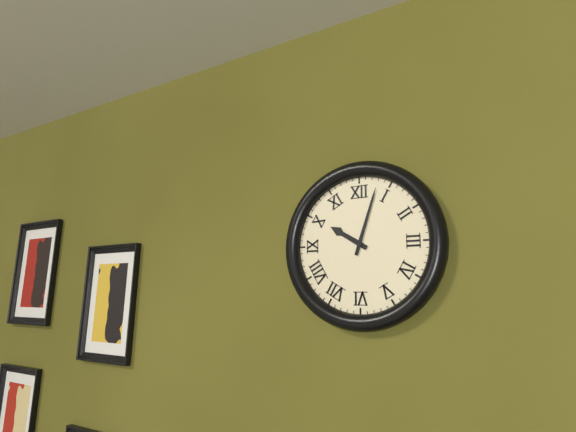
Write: 10:03
